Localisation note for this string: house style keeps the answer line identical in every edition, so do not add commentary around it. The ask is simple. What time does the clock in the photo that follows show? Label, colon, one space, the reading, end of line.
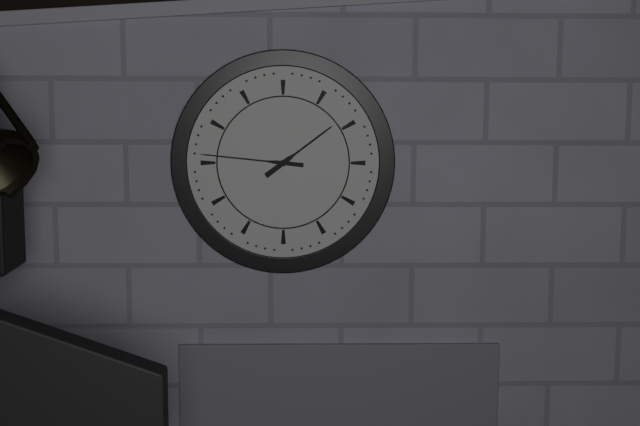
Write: 1:46
